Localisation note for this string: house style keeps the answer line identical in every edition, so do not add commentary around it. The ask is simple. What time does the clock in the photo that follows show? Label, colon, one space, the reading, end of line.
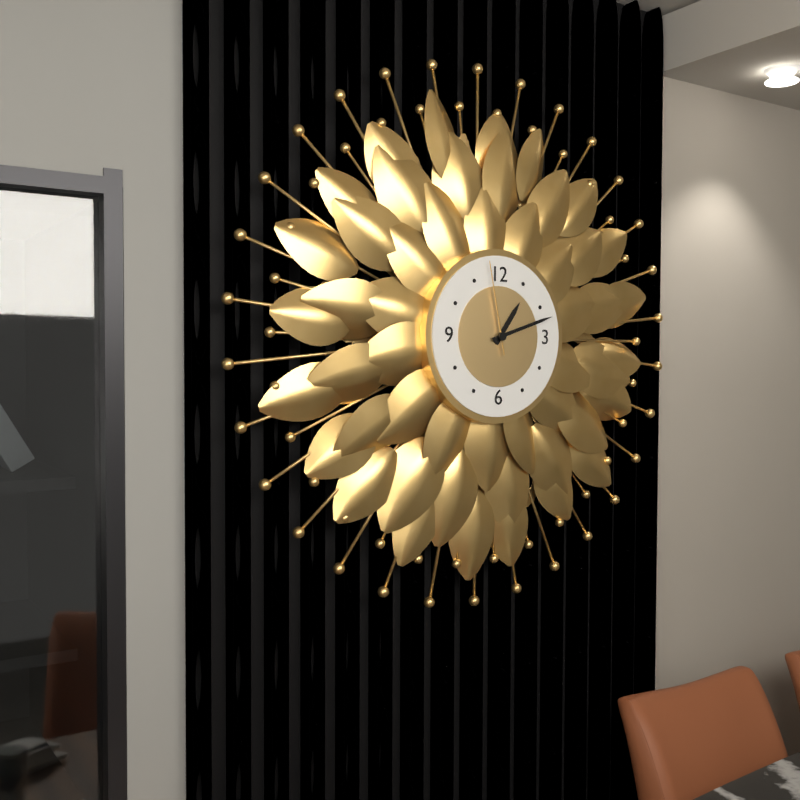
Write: 1:12:58
